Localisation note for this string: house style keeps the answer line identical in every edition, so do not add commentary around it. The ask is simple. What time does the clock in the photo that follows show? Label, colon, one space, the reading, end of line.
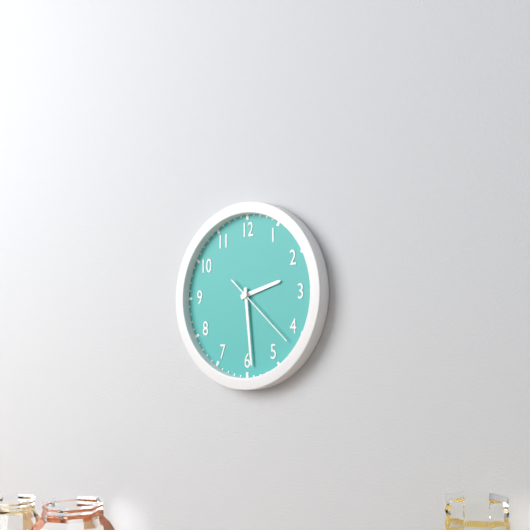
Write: 2:29:22
